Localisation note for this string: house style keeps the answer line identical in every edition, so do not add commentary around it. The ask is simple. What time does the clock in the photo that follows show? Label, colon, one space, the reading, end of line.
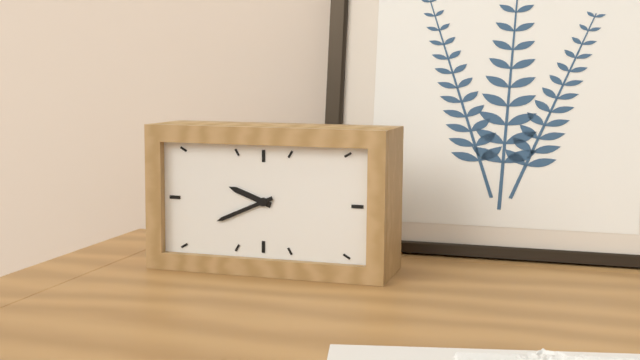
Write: 9:41
